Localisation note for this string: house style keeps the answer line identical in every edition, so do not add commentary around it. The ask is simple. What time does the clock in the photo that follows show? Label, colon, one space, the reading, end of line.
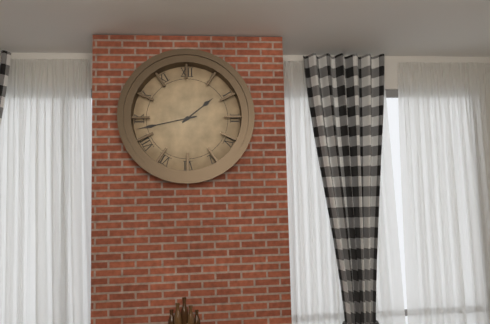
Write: 1:43
